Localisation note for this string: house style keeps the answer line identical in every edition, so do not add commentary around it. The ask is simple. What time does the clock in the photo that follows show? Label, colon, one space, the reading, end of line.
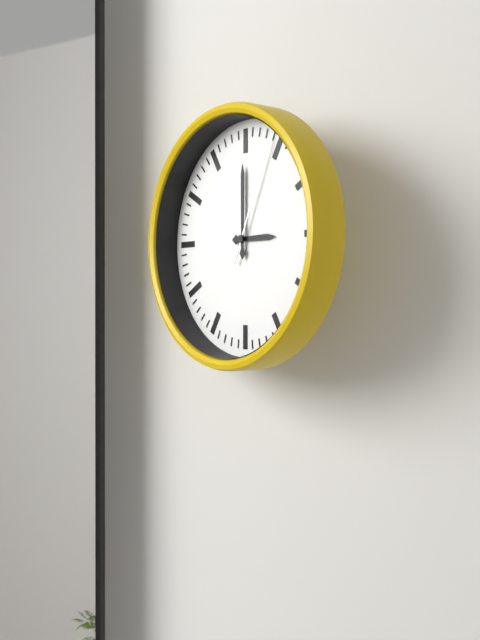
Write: 3:00:04
